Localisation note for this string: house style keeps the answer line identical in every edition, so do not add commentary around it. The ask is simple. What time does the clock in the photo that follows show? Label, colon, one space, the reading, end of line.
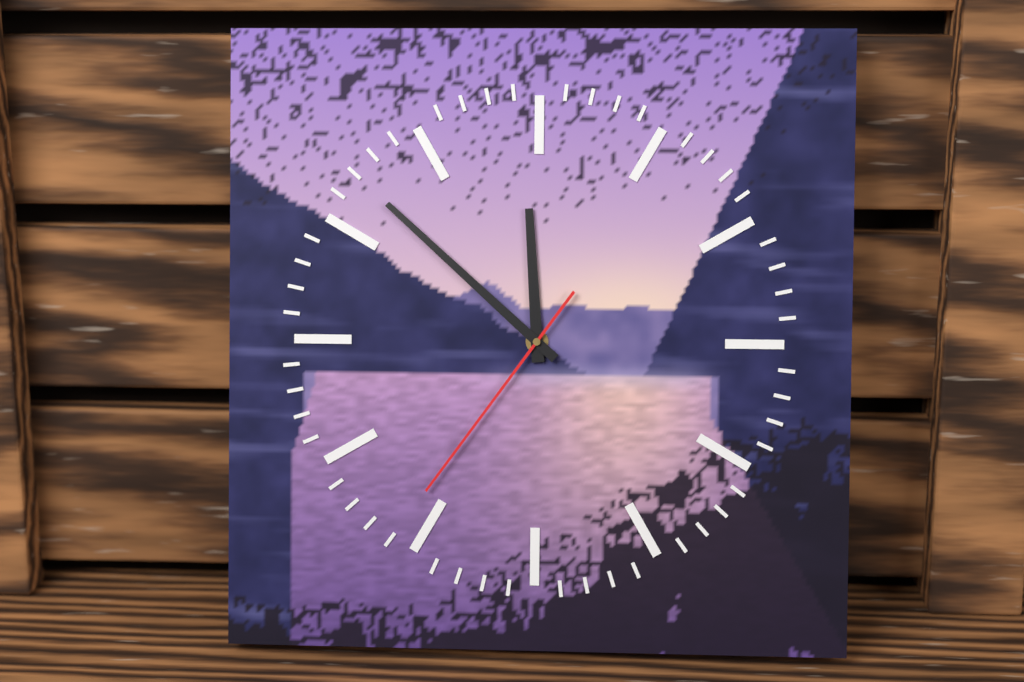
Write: 11:52:36
